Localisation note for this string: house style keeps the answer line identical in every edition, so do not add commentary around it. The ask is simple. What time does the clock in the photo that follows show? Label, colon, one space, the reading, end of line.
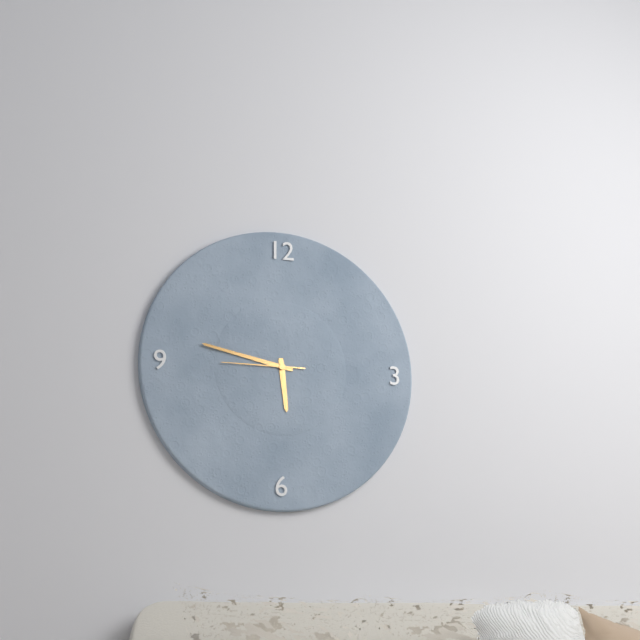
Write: 5:47:45
